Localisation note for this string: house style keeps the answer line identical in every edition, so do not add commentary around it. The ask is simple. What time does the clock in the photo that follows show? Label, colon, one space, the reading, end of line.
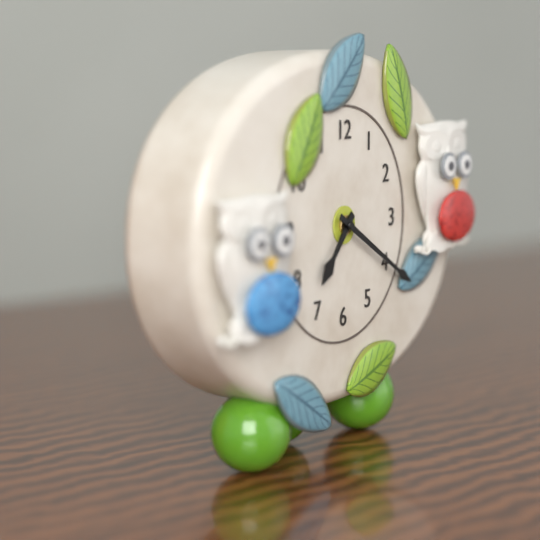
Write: 7:20
